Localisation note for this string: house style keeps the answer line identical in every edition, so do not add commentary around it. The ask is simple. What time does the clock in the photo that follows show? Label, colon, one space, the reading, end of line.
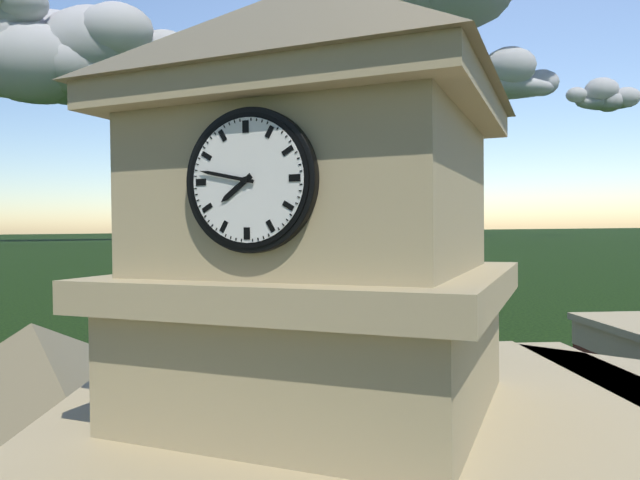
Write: 7:47
